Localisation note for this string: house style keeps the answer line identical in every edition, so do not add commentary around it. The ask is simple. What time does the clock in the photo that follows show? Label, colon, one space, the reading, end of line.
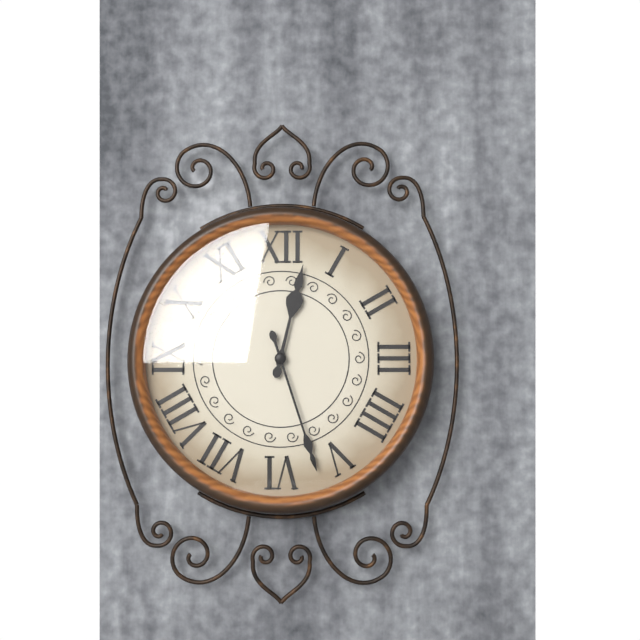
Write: 12:27
